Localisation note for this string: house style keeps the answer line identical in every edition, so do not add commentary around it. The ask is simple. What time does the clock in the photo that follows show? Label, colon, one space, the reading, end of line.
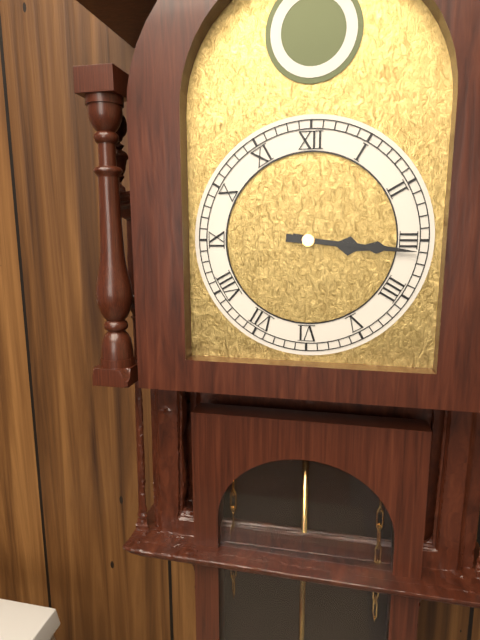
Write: 3:16
